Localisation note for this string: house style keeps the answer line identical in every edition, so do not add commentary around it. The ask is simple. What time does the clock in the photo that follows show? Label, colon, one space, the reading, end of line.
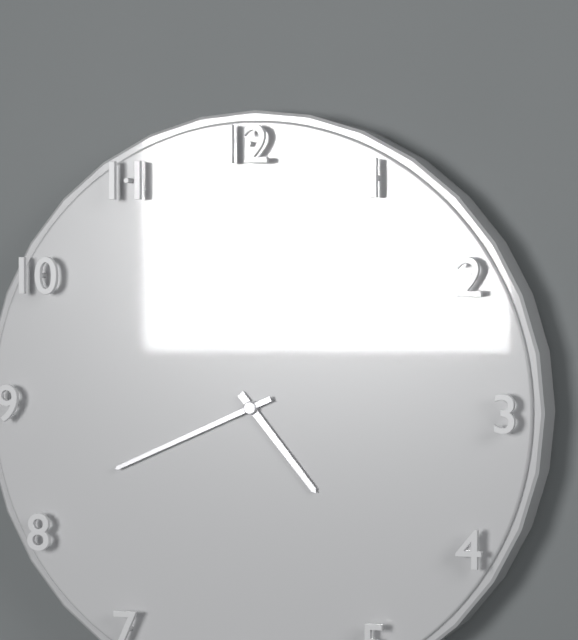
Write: 4:41
